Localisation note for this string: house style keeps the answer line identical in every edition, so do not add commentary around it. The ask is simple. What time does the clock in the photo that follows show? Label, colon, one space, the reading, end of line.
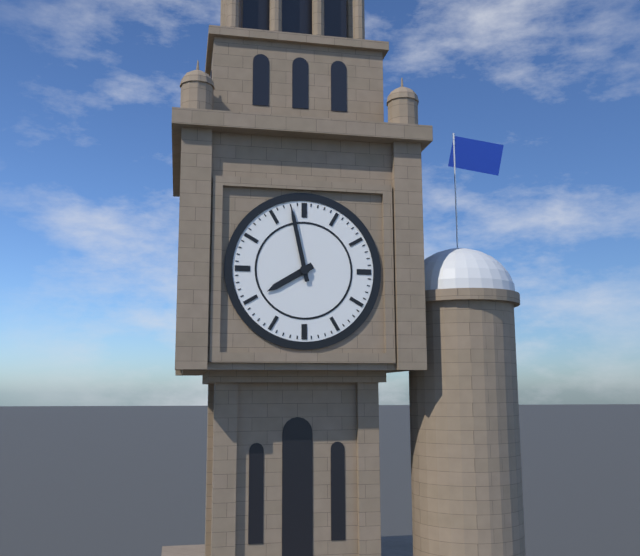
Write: 7:58
